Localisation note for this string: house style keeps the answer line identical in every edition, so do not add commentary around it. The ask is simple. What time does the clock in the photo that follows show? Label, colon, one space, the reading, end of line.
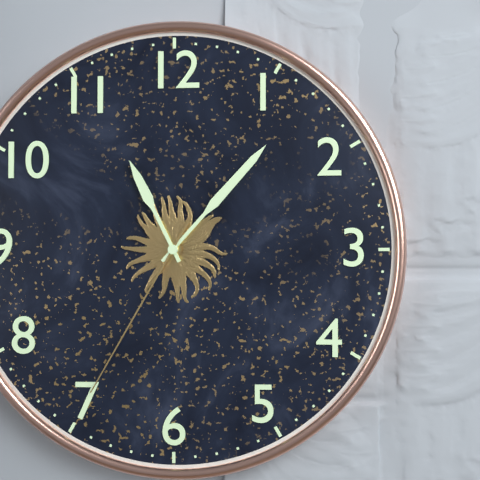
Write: 11:07:35
